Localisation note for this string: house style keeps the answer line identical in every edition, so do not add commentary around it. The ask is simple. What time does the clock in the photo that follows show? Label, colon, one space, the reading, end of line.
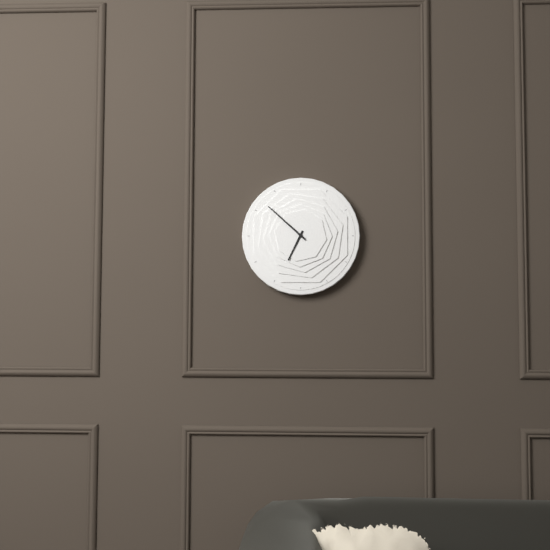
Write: 6:52
